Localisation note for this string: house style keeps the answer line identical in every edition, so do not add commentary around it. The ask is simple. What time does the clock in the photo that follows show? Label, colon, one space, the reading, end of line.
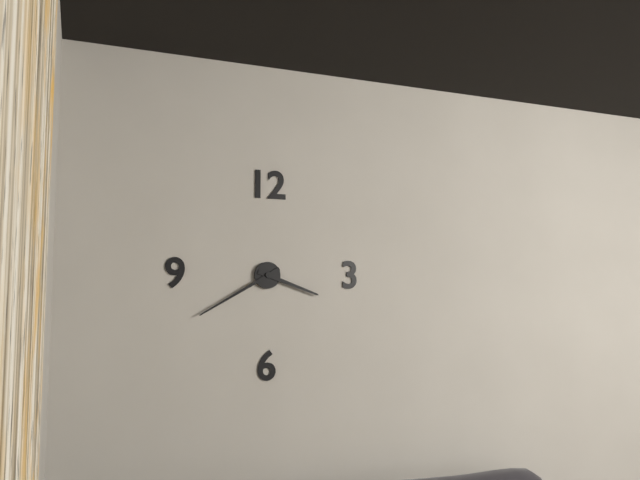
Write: 3:40
